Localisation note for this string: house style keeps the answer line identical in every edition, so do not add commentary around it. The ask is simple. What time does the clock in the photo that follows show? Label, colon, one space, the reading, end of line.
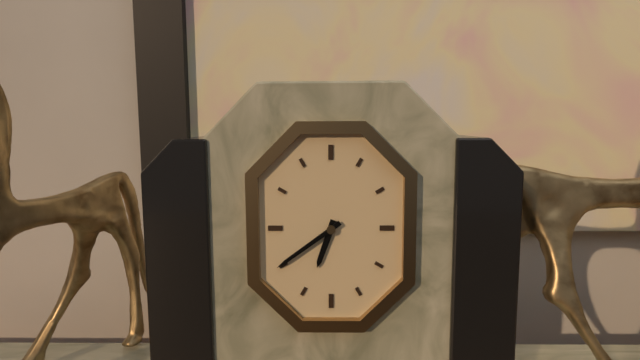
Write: 6:39
